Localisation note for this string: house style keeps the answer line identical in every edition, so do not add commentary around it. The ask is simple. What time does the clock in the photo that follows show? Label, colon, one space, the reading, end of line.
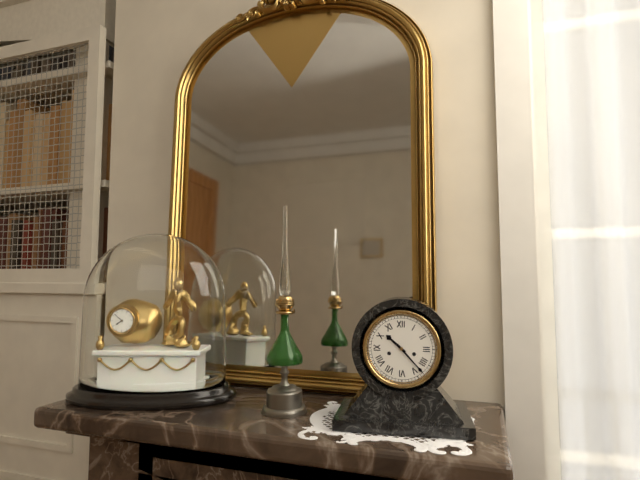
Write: 10:23
